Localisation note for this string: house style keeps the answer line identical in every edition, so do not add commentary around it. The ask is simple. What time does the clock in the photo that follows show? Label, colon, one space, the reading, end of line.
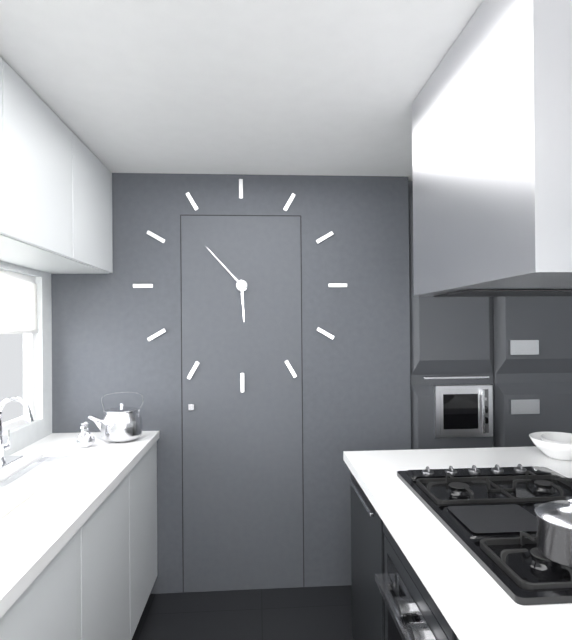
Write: 5:53
